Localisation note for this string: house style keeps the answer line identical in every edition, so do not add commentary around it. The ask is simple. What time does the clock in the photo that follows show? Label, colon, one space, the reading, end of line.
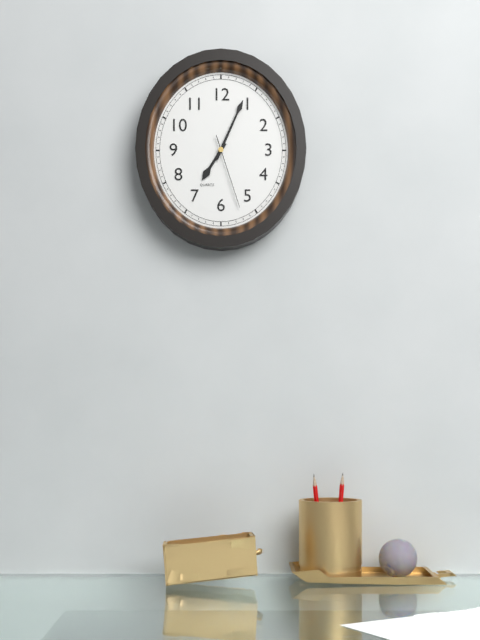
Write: 7:04:27
